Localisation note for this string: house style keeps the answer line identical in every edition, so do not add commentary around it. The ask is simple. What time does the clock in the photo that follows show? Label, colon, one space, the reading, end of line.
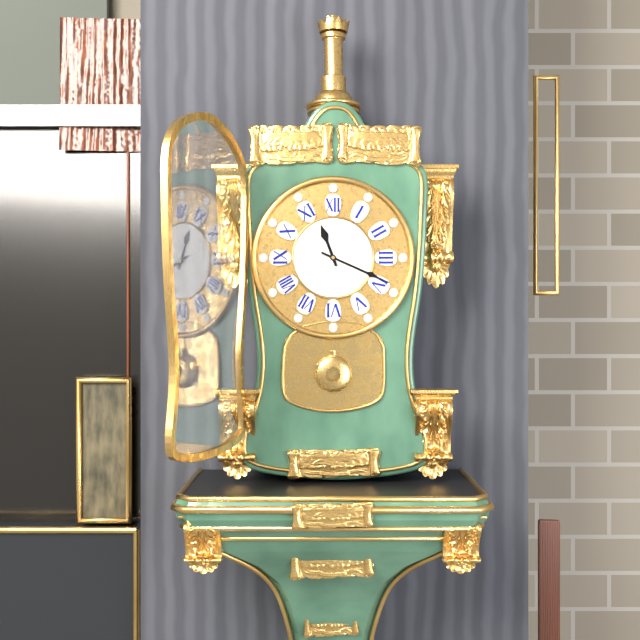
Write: 11:19
